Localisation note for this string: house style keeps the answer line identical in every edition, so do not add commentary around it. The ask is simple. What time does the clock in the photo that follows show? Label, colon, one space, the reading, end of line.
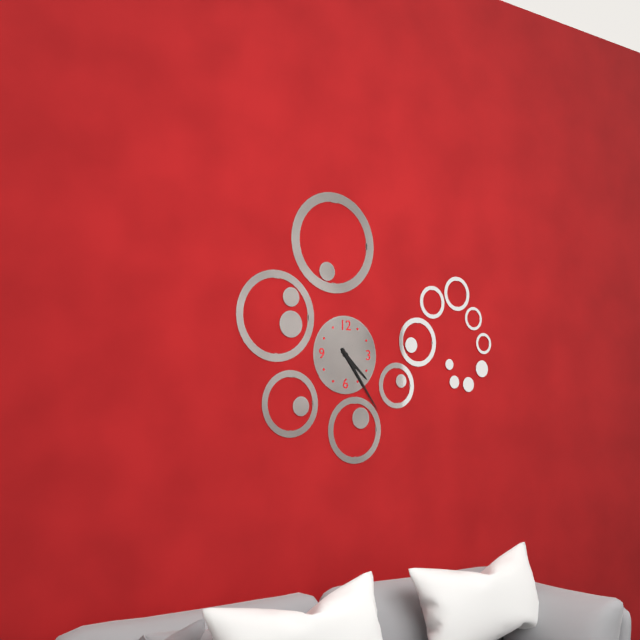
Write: 4:24
